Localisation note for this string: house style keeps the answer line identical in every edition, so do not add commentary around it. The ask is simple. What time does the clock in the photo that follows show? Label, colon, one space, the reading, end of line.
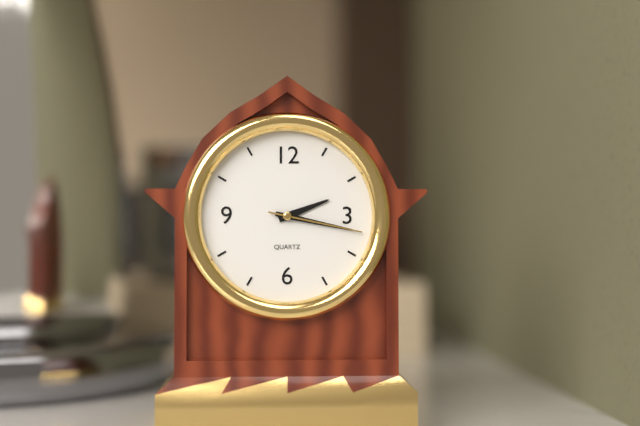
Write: 2:17:17
